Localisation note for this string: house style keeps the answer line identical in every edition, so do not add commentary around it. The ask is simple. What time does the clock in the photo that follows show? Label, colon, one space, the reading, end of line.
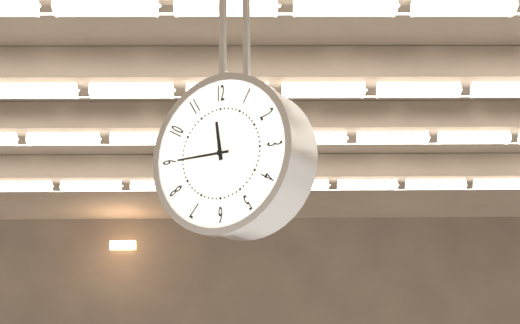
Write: 11:45
